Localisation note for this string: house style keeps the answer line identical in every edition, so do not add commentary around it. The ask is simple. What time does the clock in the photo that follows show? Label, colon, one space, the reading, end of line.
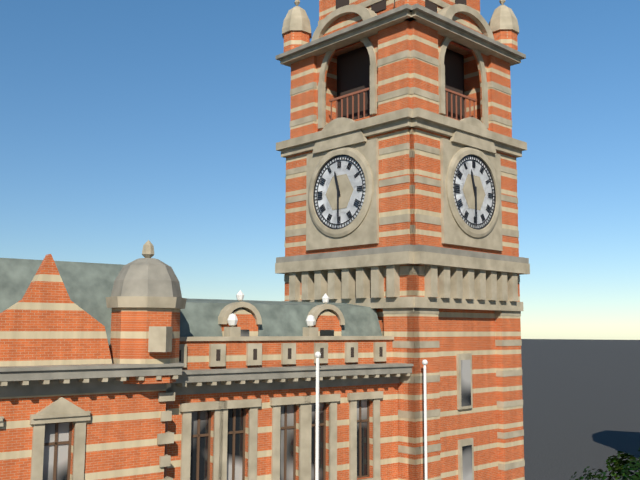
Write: 11:30
